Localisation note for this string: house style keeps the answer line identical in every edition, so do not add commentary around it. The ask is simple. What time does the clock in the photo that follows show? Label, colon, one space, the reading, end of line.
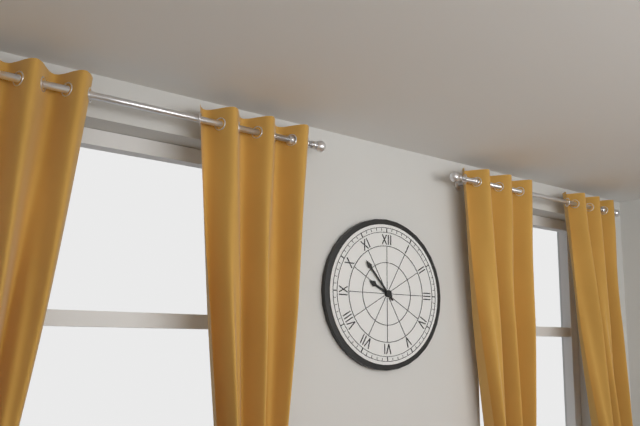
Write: 9:53
